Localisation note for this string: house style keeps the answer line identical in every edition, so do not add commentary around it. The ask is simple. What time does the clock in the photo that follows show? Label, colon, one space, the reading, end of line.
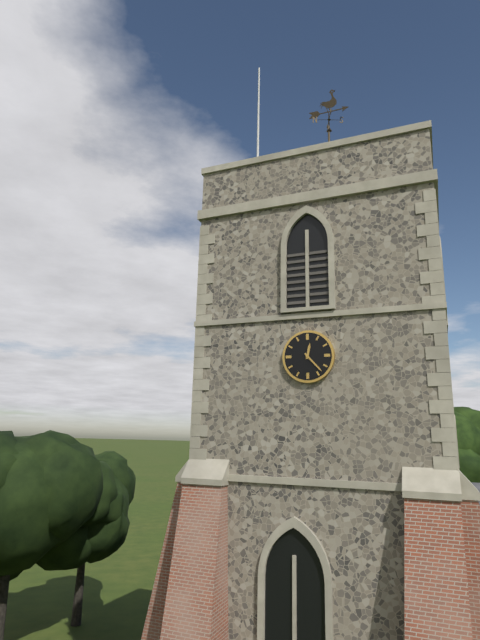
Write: 12:23
